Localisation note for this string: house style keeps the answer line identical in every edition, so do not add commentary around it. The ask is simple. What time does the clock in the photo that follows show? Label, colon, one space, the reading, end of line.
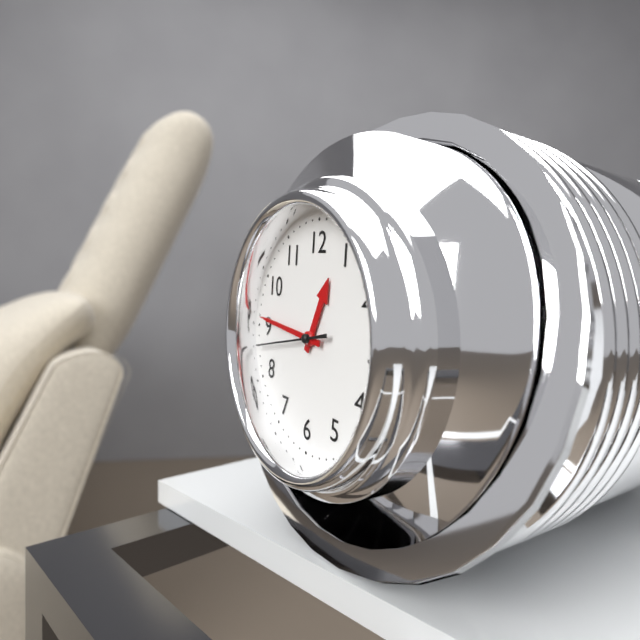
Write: 12:46:43
